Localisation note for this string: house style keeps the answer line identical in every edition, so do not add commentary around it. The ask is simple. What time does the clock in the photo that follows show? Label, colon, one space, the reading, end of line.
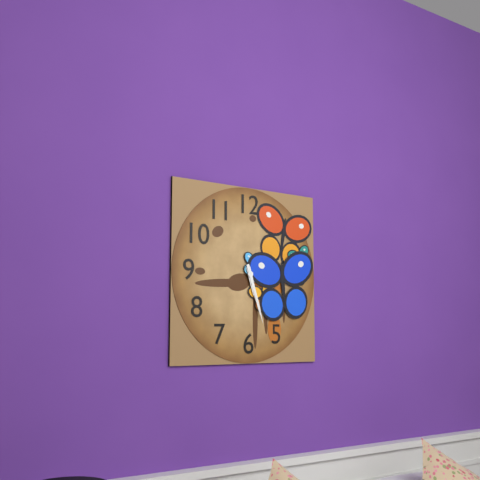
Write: 5:27
